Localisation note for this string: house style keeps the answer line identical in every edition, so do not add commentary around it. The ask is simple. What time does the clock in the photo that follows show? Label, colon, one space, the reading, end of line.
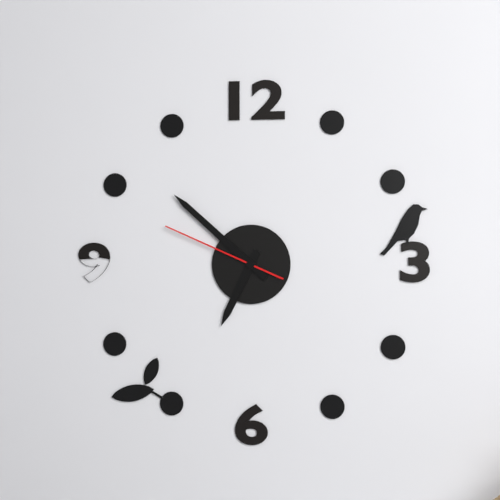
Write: 6:52:49
